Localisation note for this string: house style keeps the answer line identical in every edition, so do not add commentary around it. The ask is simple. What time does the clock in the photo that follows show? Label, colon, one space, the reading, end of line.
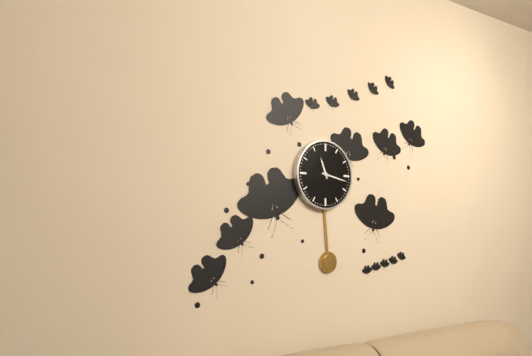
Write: 11:17
